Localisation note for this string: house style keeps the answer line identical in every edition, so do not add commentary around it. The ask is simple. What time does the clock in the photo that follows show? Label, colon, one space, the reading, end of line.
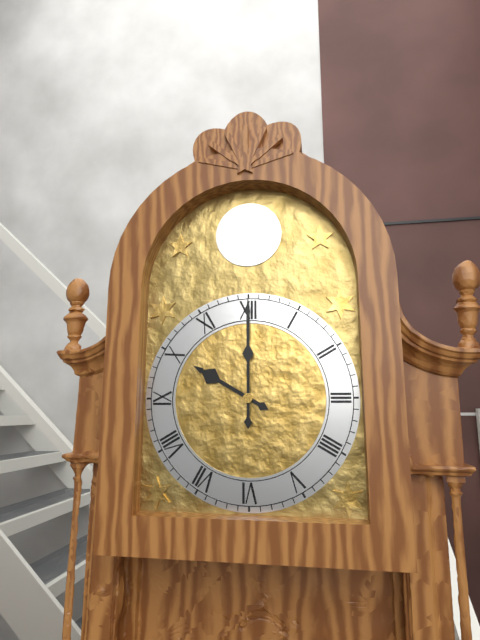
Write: 10:00
